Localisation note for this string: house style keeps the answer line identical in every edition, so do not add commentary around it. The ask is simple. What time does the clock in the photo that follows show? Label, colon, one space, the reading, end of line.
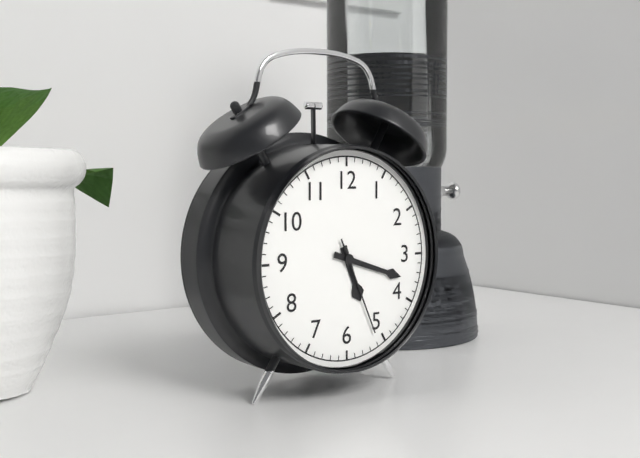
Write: 5:18:26
